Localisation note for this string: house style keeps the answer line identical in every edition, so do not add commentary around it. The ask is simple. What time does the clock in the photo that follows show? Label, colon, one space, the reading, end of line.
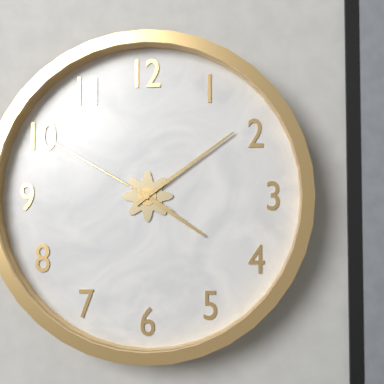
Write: 4:09:50
